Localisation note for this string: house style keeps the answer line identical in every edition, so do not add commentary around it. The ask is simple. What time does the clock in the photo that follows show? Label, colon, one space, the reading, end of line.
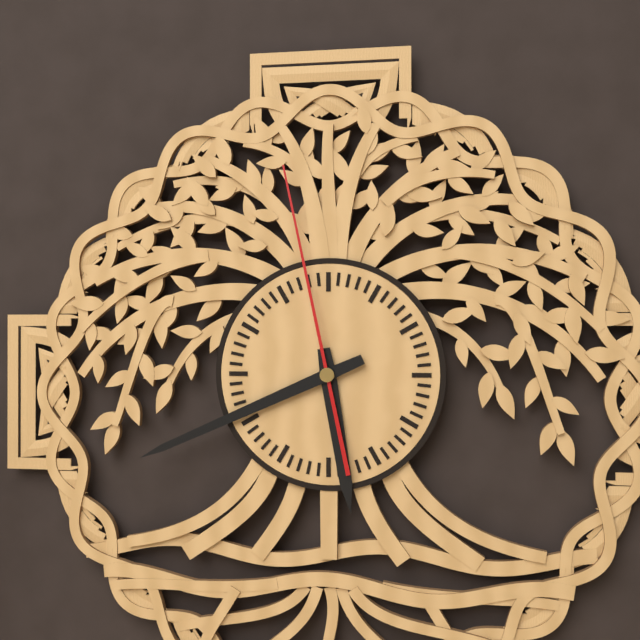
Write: 5:41:58
